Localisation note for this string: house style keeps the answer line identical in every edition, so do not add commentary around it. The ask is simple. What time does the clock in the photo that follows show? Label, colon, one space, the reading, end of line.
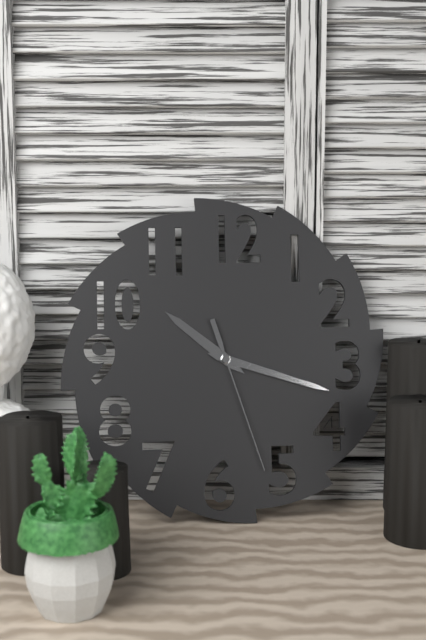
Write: 10:18:27
